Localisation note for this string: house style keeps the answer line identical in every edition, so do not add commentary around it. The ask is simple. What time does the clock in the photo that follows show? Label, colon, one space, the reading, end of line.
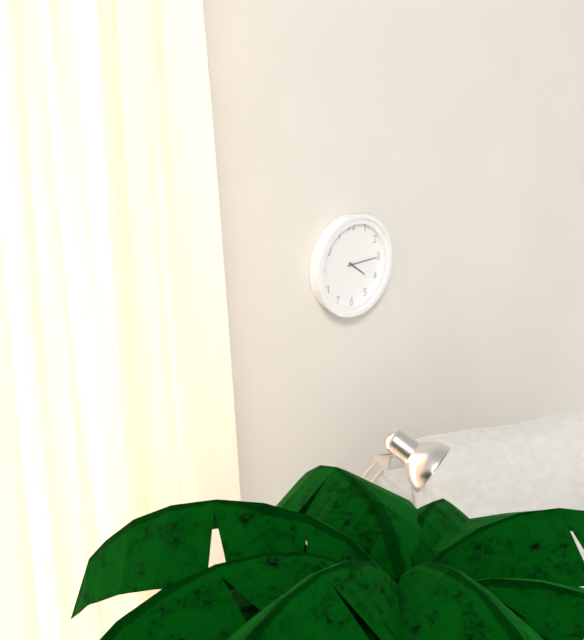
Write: 4:15
